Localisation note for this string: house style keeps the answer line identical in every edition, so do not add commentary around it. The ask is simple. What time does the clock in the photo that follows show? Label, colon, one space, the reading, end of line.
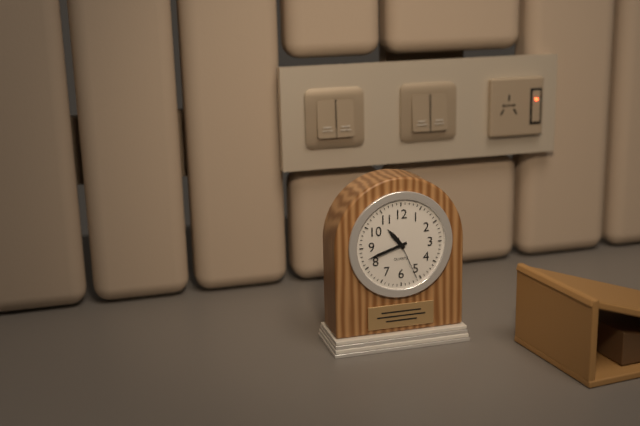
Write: 10:42
